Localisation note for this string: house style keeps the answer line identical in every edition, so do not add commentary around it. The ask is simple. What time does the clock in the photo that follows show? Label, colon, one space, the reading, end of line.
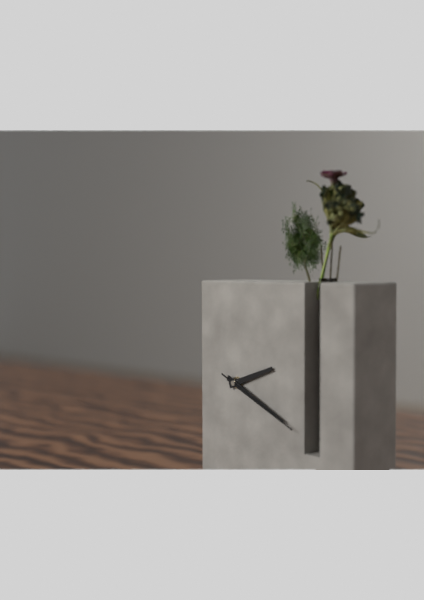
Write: 2:19:19
